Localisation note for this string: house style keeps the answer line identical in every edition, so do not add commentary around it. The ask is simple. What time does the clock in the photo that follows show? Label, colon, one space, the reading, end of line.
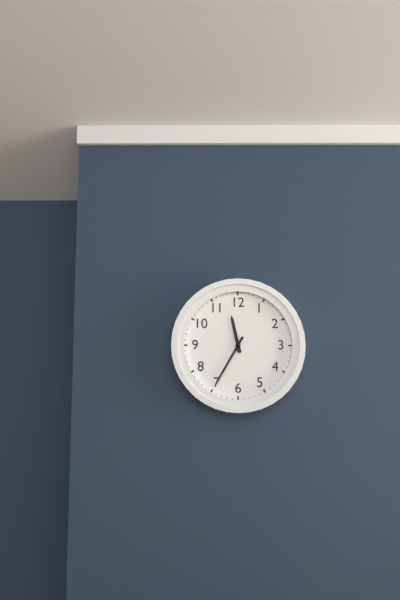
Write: 11:35
